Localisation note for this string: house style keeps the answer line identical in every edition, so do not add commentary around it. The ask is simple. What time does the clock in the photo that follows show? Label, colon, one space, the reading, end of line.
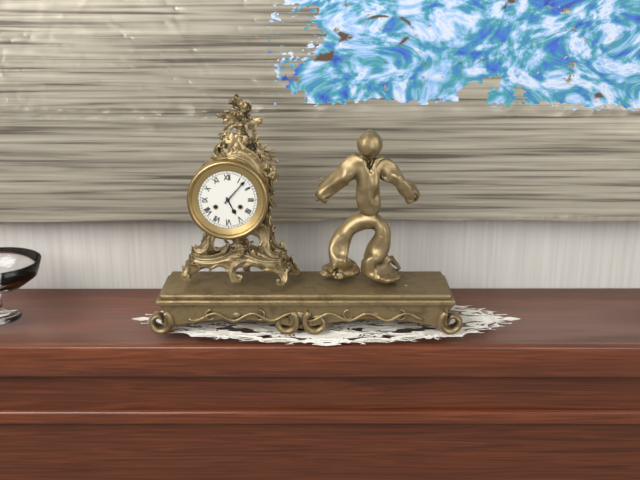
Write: 5:07
